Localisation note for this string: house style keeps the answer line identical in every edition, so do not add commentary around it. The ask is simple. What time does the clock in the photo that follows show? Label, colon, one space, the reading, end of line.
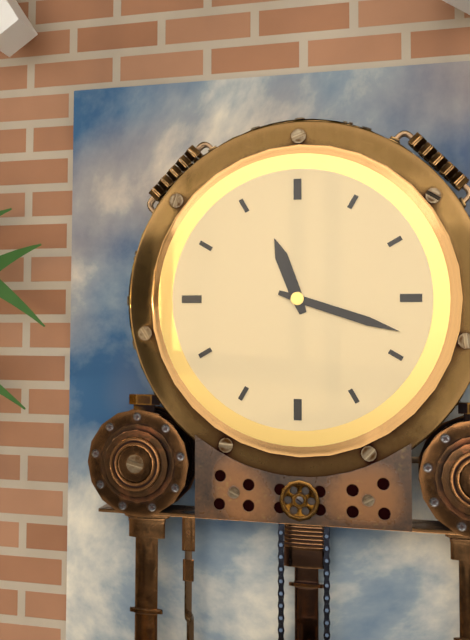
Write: 11:18
